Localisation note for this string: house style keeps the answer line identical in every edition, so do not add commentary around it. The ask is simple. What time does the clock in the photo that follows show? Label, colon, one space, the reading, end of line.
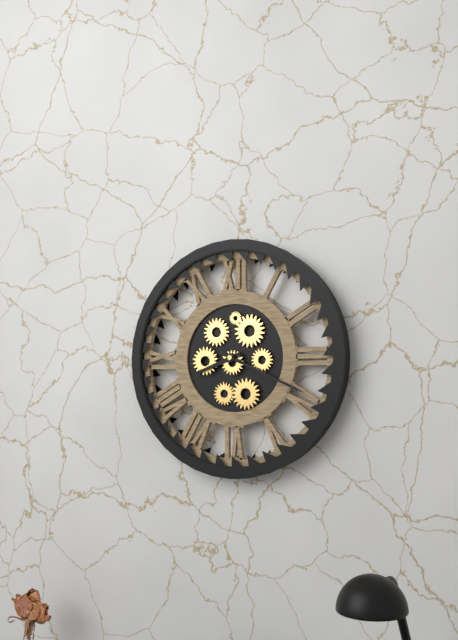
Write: 8:19
